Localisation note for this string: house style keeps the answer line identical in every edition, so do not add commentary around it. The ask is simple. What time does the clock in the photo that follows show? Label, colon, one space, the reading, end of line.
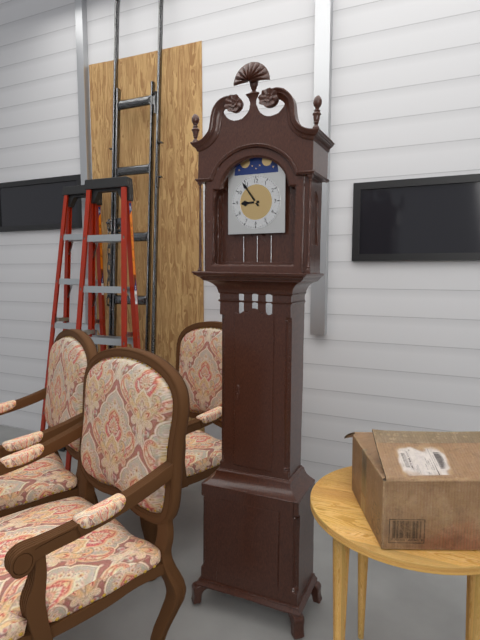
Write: 8:54
